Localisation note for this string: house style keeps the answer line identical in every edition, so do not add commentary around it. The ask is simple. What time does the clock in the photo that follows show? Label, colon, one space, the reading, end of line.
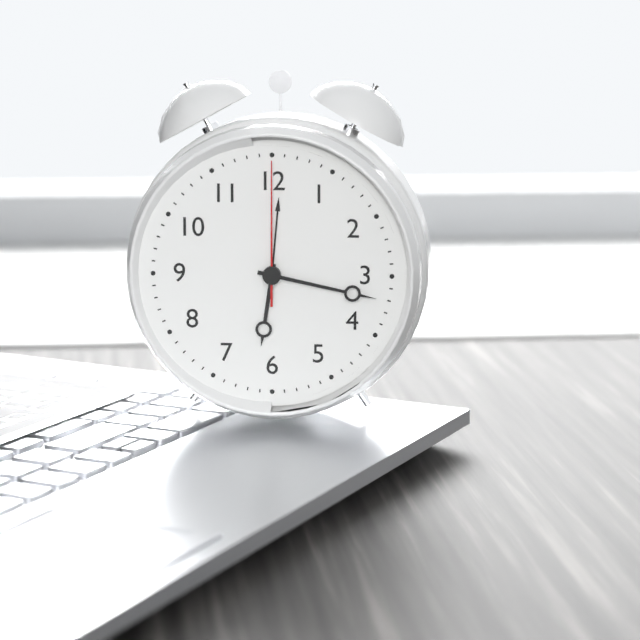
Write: 6:17:00
